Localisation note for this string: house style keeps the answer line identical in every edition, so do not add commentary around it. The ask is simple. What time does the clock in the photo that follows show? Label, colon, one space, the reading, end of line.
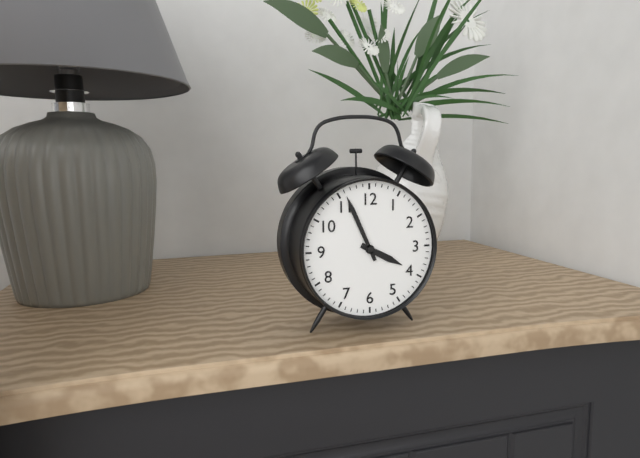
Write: 3:56
